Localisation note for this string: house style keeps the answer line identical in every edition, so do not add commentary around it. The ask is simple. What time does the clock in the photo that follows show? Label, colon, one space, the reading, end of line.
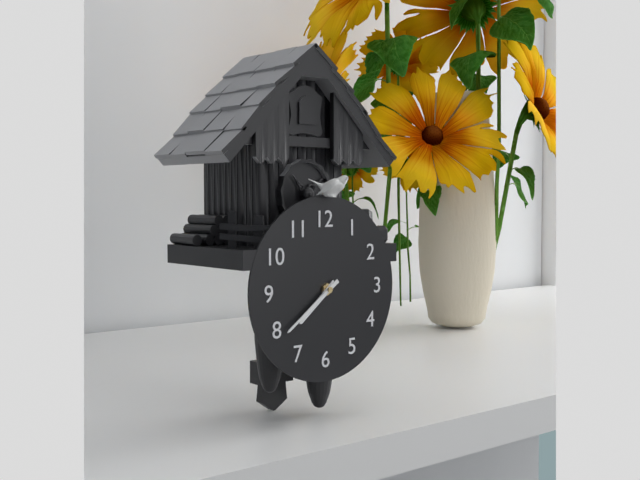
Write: 7:39
